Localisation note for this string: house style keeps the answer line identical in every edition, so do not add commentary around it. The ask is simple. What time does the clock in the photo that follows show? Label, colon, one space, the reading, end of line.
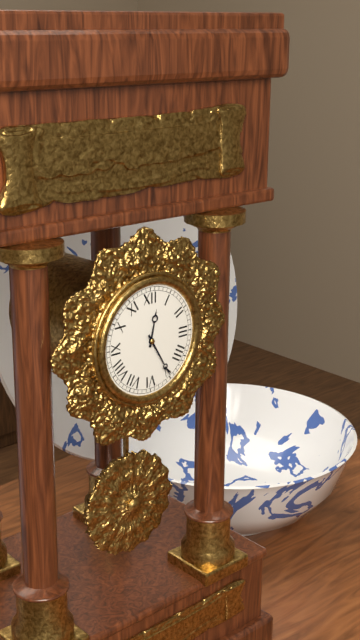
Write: 12:25
